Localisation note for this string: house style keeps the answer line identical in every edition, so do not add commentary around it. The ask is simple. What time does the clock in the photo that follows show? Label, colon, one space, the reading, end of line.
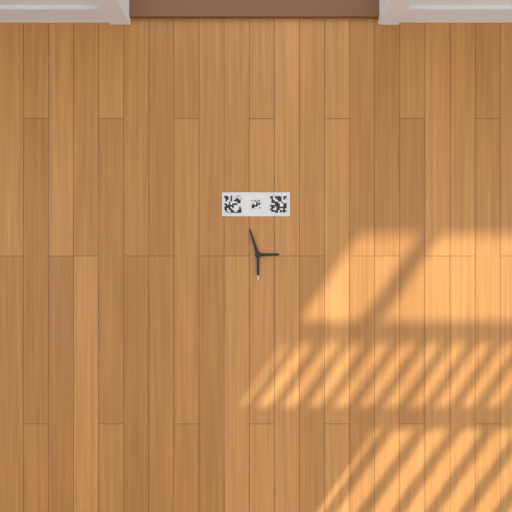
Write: 2:57
